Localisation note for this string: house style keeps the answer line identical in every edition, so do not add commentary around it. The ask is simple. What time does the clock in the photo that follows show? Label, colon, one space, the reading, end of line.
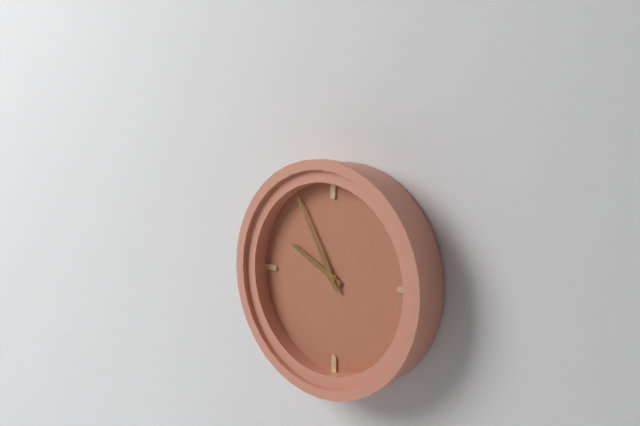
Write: 9:55
